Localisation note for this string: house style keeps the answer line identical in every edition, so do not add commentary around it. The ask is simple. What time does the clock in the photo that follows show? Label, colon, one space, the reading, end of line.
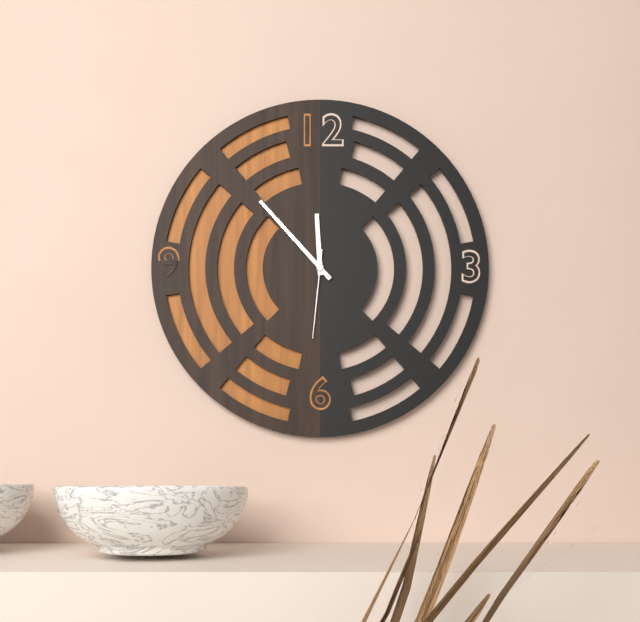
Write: 11:53:31
